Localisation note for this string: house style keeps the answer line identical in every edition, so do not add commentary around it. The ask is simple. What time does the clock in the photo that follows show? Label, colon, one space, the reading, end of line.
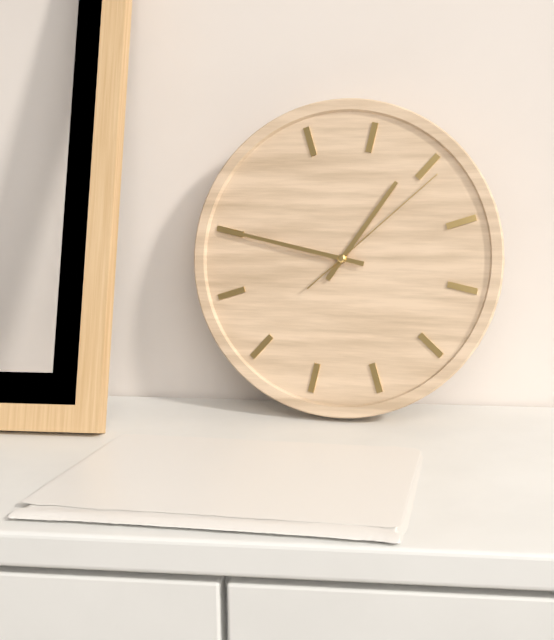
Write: 12:45:06
